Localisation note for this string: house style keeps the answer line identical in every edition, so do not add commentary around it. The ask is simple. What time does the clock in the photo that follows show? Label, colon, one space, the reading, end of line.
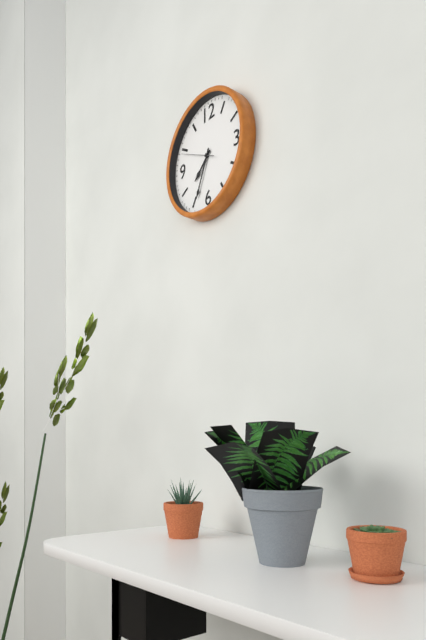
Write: 7:34
